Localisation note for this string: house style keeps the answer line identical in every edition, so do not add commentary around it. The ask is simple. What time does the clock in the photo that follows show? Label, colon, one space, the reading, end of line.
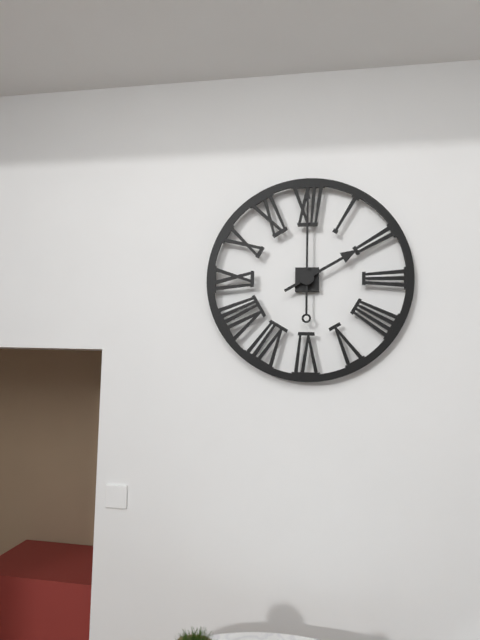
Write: 2:00
